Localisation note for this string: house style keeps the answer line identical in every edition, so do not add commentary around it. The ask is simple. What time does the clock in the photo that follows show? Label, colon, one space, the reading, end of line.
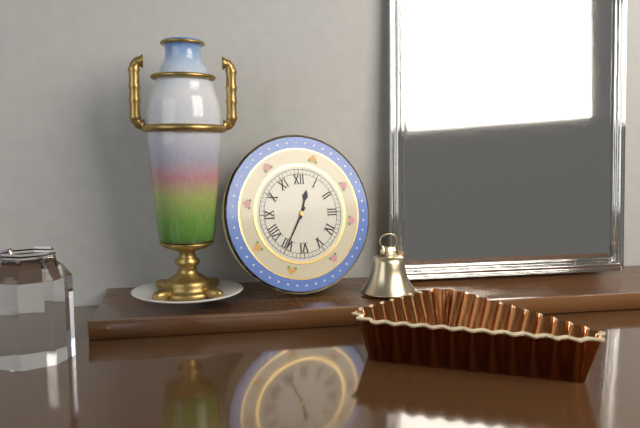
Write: 12:35
